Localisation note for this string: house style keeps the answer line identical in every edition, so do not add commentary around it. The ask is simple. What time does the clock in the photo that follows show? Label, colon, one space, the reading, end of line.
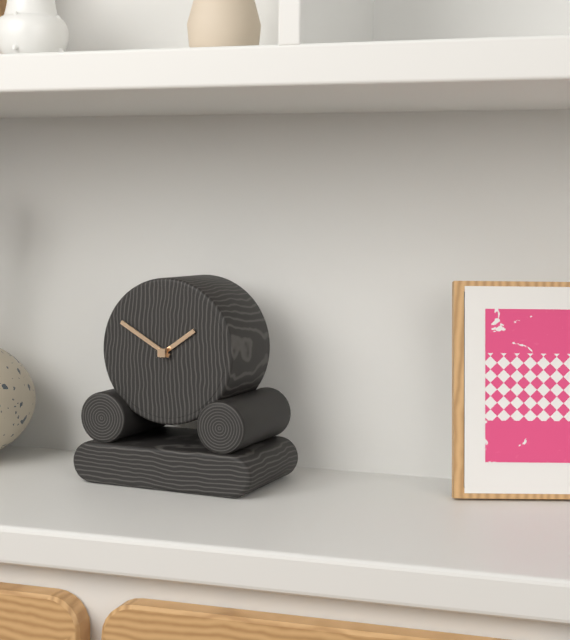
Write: 1:50
